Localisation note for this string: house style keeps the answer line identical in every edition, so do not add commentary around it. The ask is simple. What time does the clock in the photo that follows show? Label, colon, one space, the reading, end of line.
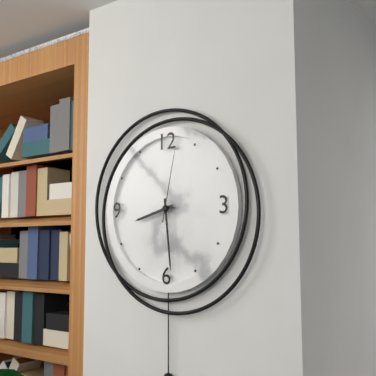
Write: 8:29:02
